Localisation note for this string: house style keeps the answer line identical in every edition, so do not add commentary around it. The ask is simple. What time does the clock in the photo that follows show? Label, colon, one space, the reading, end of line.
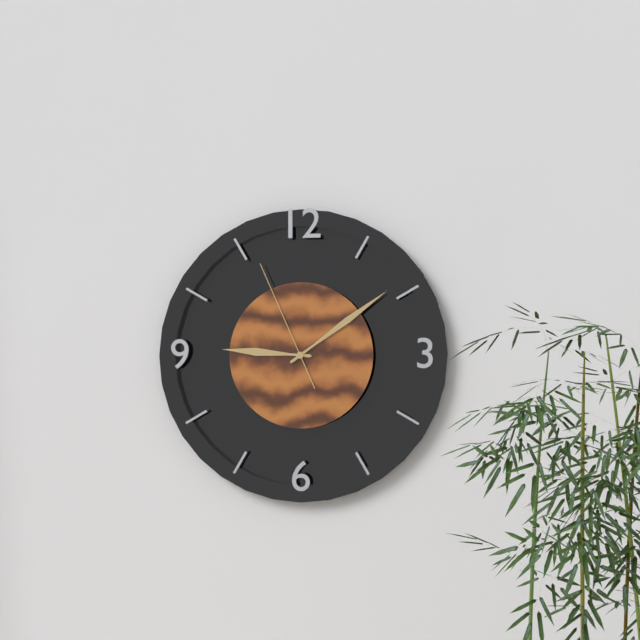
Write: 9:09:56
